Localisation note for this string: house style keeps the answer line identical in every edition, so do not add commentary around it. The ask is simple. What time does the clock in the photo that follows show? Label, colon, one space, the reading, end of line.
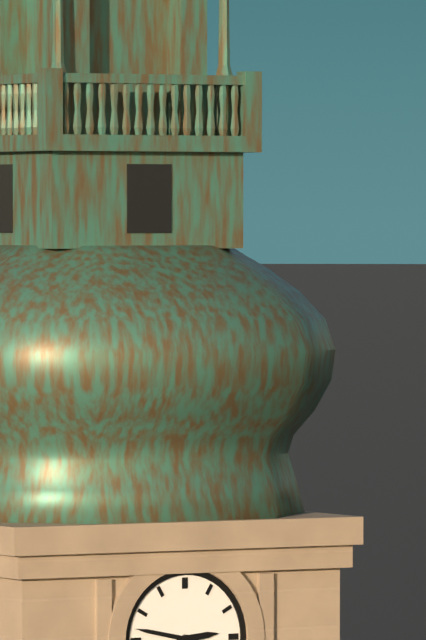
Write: 2:47
